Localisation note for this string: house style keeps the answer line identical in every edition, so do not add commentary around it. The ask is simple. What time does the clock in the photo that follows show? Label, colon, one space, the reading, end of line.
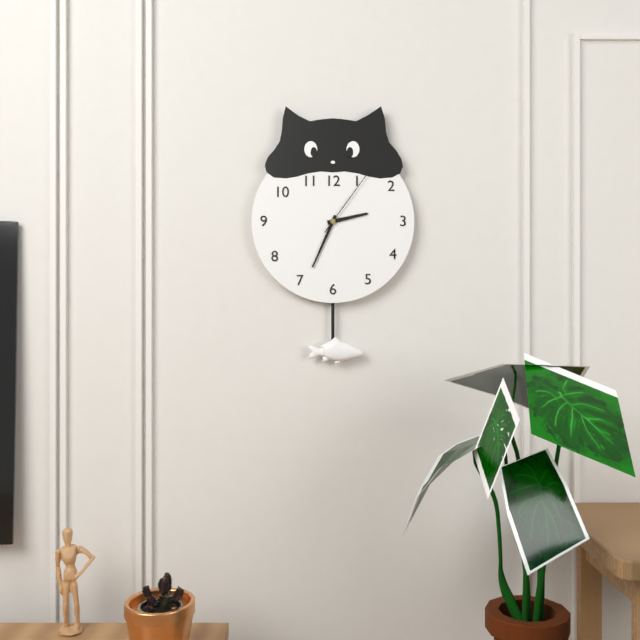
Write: 2:34:06
